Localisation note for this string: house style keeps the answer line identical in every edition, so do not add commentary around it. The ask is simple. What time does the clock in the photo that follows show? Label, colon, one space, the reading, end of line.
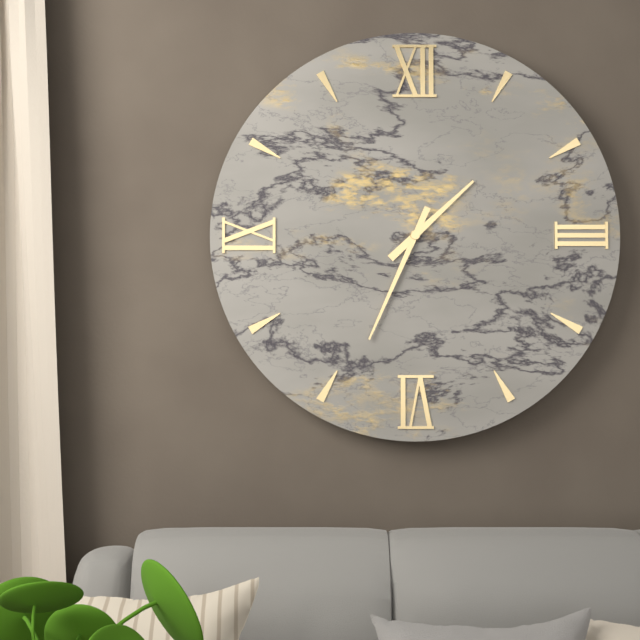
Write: 1:34
